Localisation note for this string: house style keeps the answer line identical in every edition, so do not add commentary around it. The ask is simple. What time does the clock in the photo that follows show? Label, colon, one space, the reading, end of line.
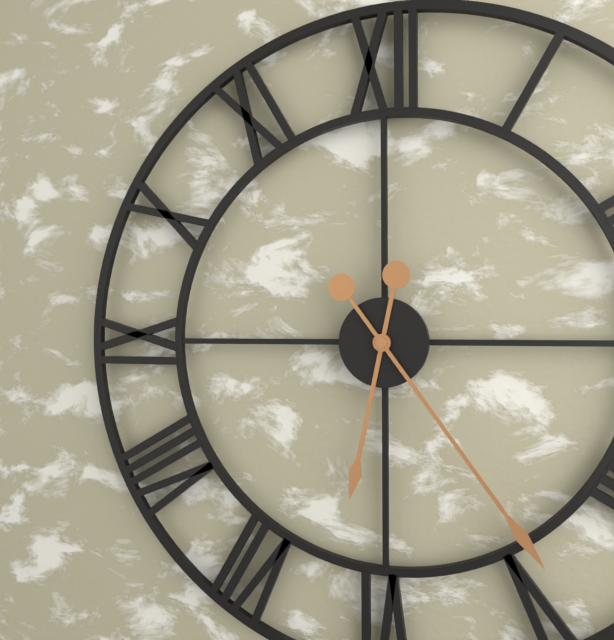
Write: 6:24
